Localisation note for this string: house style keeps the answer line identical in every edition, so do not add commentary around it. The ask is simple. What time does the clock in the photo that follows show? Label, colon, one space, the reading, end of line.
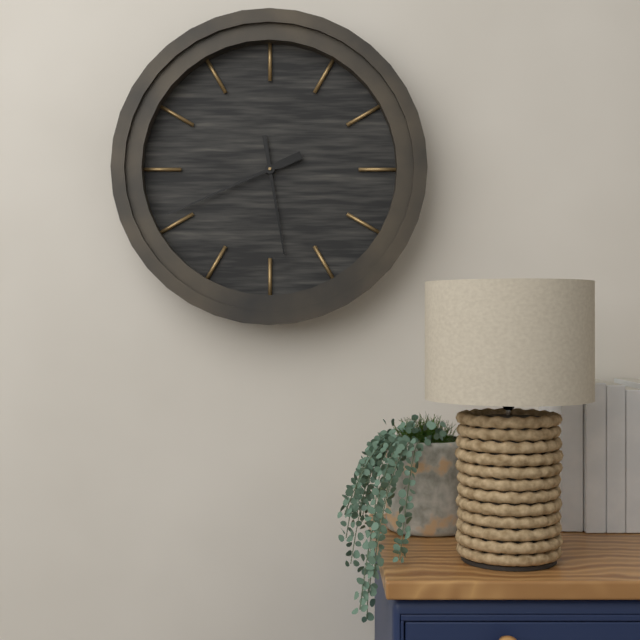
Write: 5:41
